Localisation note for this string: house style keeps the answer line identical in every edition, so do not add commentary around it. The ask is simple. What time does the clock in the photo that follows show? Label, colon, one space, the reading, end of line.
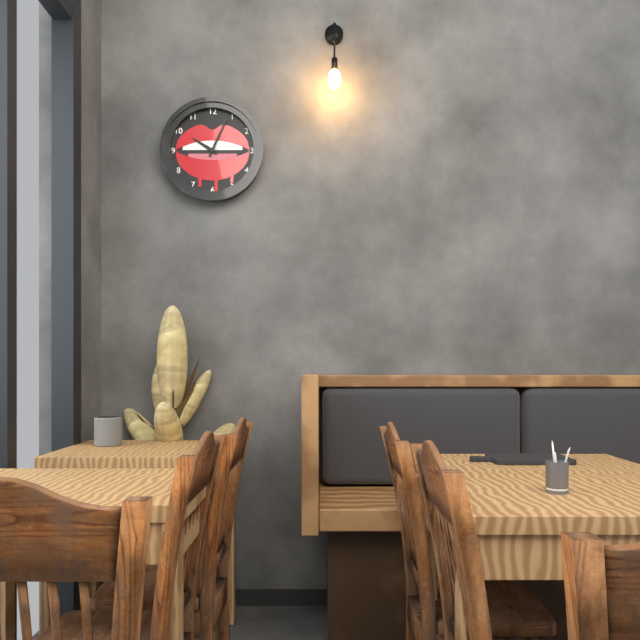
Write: 10:04
